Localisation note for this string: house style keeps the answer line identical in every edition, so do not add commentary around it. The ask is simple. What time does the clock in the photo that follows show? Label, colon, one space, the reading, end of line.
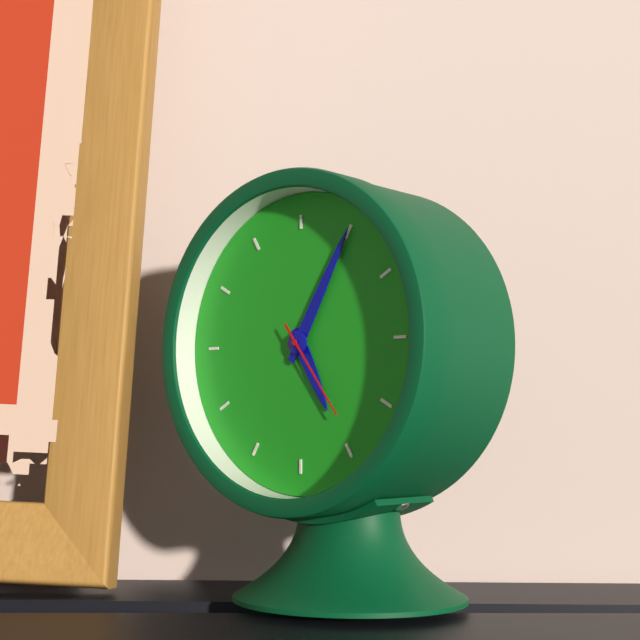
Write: 5:05:24
